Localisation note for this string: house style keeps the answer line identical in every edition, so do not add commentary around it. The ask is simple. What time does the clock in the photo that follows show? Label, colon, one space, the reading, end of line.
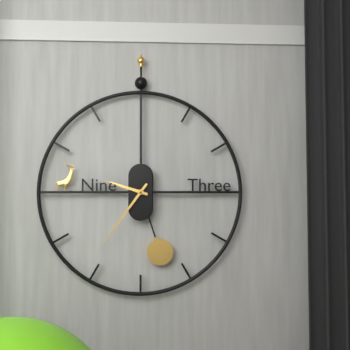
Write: 9:36
